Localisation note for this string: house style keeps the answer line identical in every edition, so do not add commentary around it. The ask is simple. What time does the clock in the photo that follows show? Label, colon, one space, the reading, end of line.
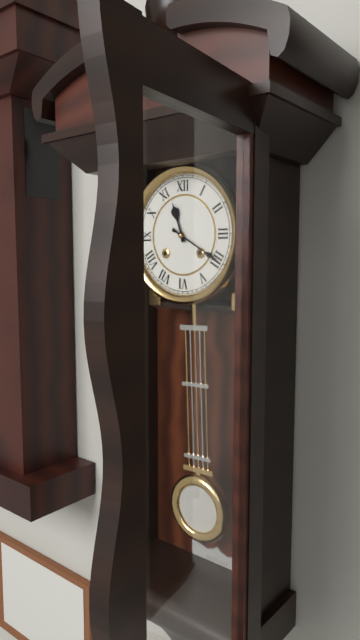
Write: 11:20
